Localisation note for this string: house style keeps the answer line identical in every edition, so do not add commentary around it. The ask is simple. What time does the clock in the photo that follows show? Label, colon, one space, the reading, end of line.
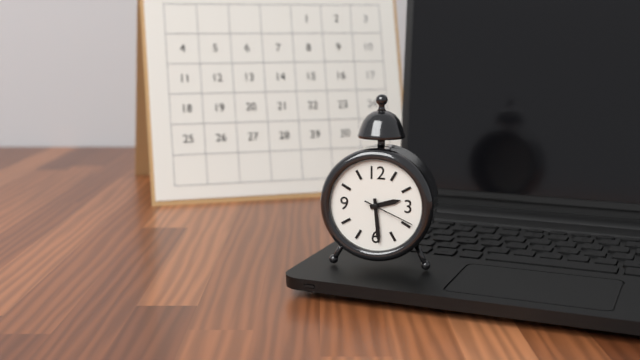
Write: 2:29
